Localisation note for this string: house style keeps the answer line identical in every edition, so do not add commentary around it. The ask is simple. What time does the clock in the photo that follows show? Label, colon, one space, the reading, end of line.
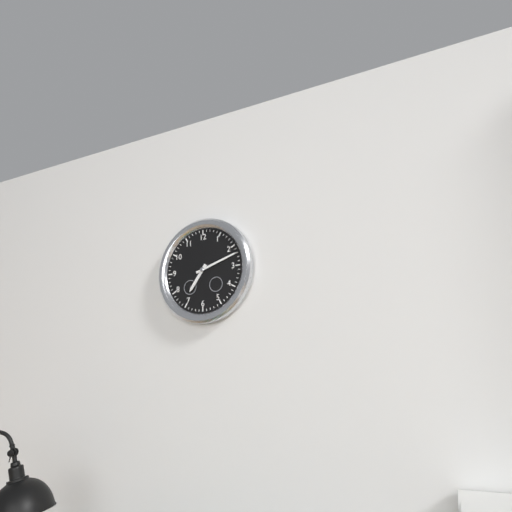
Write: 7:12
